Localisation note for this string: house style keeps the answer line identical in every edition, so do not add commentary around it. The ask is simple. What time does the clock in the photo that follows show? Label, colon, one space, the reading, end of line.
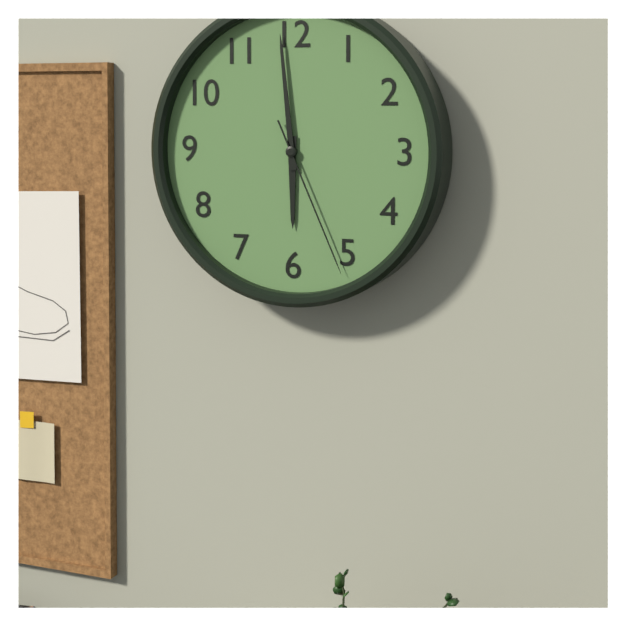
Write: 5:59:26
